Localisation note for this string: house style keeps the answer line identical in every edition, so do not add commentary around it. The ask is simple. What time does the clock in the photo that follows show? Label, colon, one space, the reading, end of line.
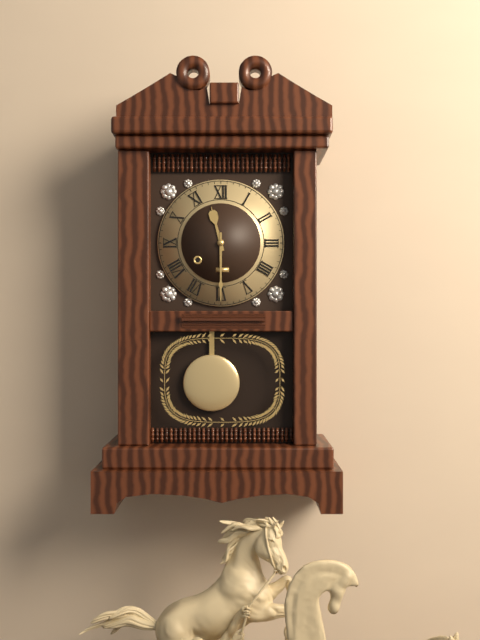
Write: 11:30
